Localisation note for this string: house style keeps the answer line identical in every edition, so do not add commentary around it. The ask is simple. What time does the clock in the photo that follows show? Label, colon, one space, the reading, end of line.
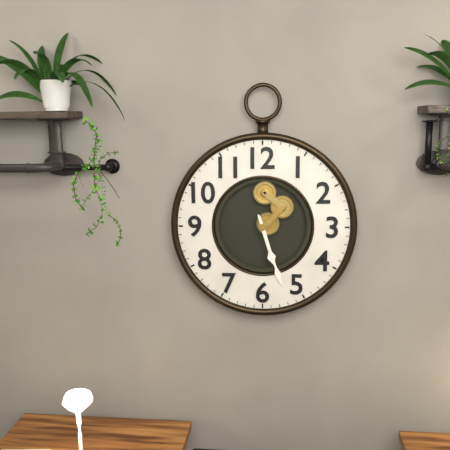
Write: 5:27
